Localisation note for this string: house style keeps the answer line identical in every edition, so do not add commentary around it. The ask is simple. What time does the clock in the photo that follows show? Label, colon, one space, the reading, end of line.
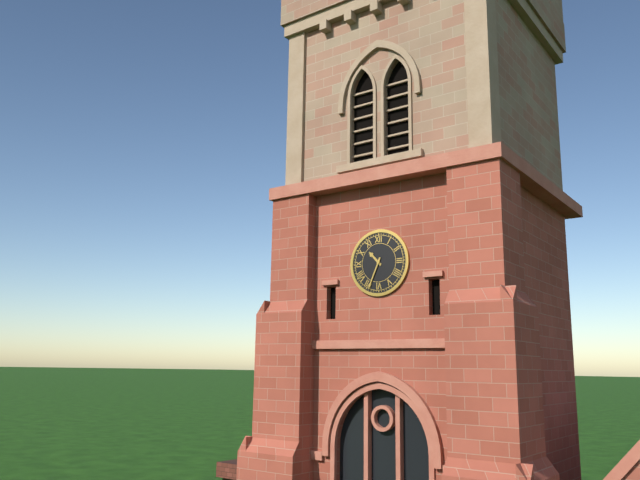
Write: 10:34
